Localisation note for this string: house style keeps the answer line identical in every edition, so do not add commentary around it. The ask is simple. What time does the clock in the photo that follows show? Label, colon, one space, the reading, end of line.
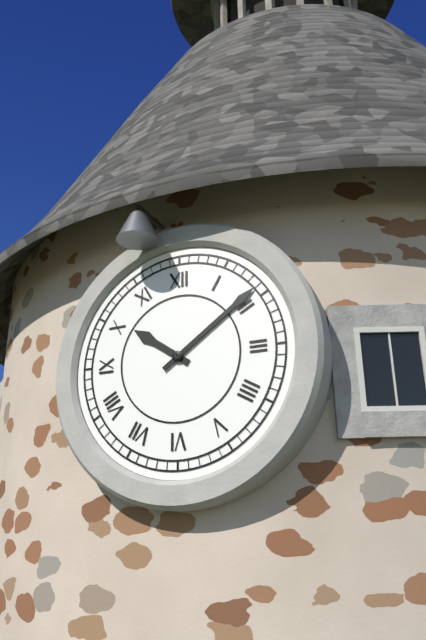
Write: 10:09
